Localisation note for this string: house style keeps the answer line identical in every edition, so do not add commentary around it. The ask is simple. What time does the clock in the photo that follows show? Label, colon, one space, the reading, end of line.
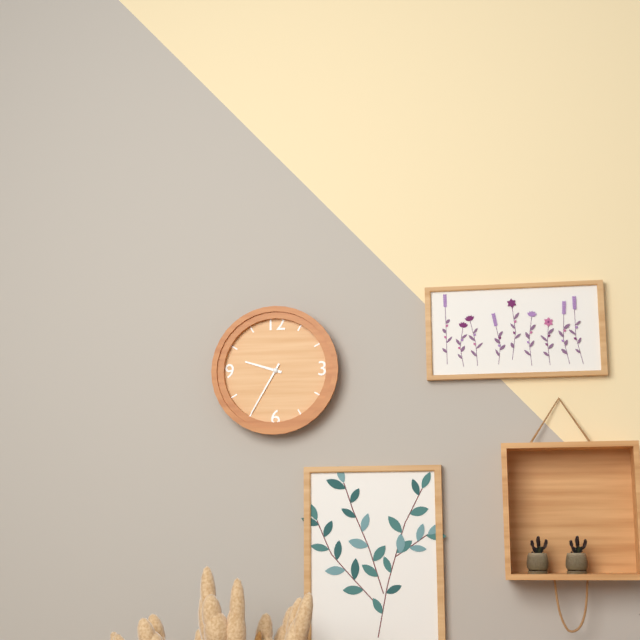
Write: 9:35
